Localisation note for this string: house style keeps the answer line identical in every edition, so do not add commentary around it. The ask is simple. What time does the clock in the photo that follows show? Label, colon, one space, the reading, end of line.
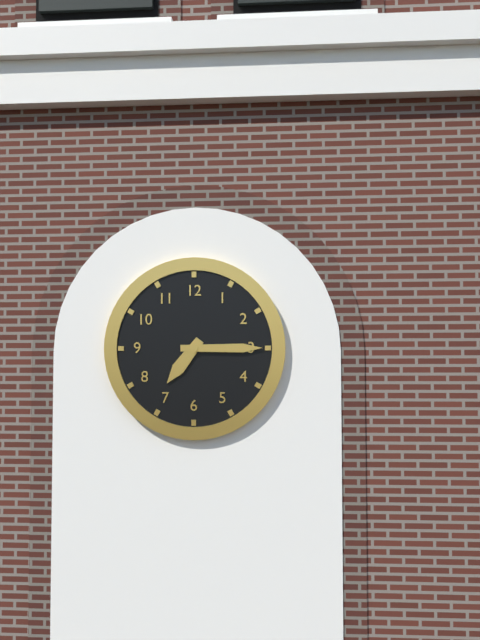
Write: 7:15
